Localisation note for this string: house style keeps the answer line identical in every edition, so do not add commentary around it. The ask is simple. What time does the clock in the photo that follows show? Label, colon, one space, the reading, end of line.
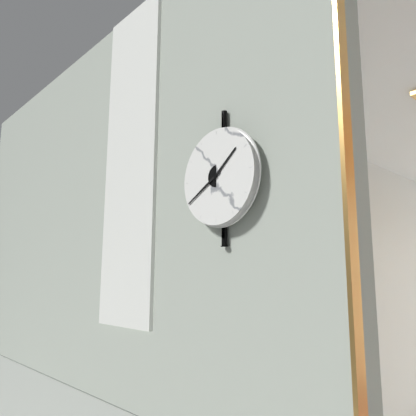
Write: 1:40
